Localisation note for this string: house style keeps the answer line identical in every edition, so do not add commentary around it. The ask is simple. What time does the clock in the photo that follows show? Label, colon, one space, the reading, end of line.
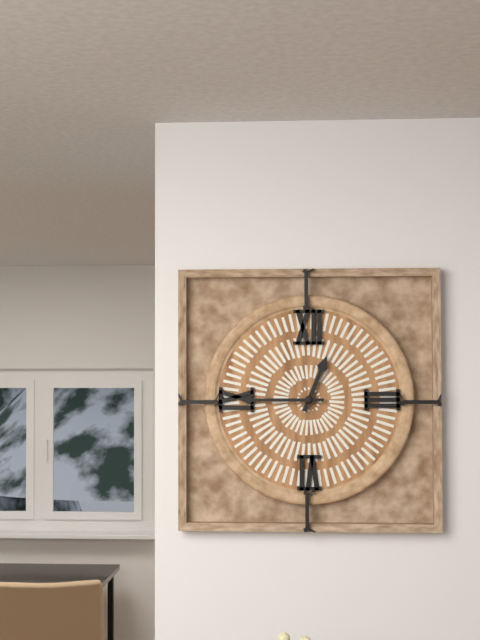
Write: 12:45
